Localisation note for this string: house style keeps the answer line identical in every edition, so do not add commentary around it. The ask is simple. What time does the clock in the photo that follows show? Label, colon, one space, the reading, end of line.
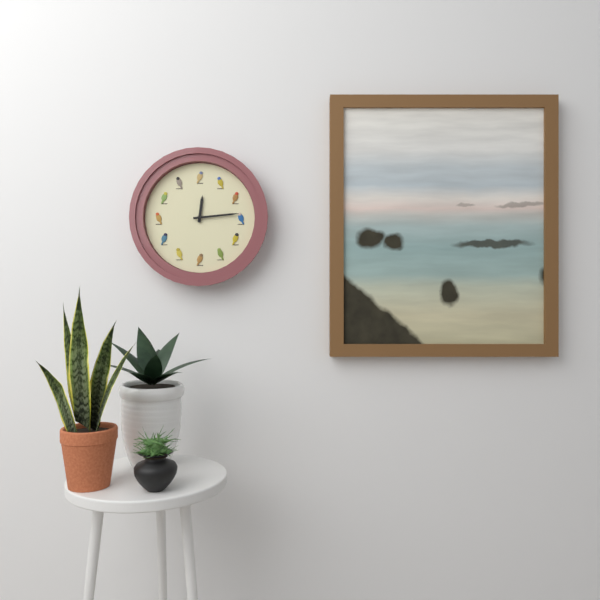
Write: 12:14
